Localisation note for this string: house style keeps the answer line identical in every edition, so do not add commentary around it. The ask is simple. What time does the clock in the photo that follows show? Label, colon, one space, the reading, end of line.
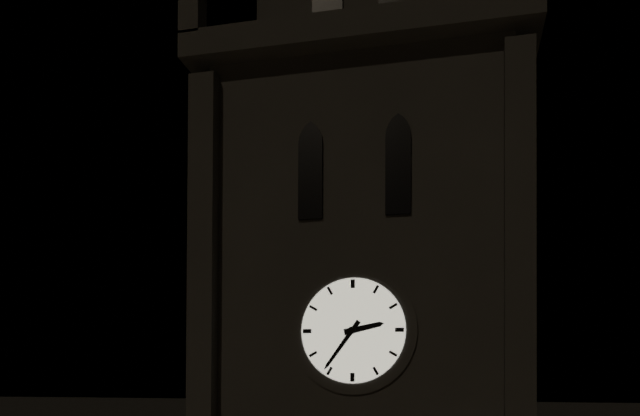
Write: 2:36
